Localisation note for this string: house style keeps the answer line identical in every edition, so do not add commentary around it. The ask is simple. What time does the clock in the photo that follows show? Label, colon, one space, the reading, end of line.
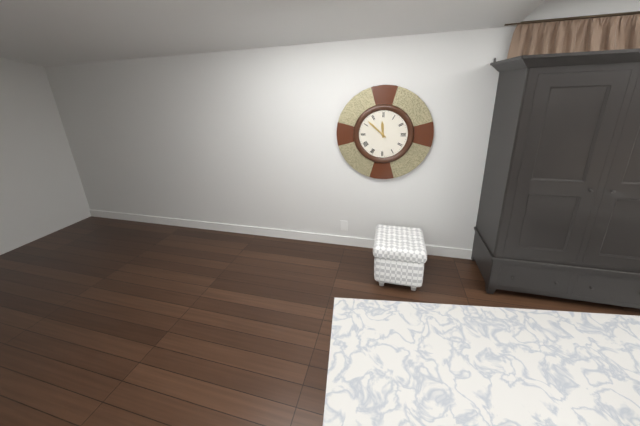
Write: 11:52
